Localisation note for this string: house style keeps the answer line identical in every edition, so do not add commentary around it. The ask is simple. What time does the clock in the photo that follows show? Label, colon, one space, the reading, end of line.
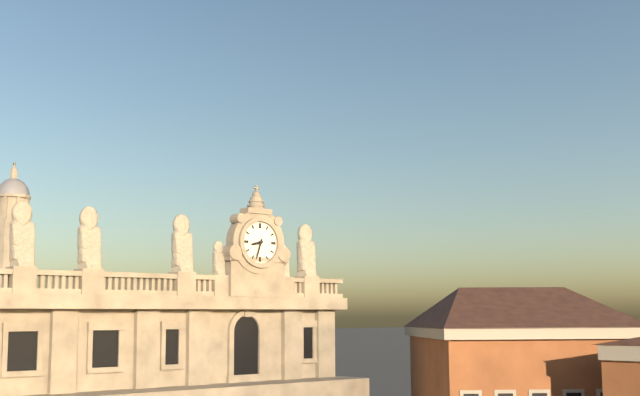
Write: 8:33
